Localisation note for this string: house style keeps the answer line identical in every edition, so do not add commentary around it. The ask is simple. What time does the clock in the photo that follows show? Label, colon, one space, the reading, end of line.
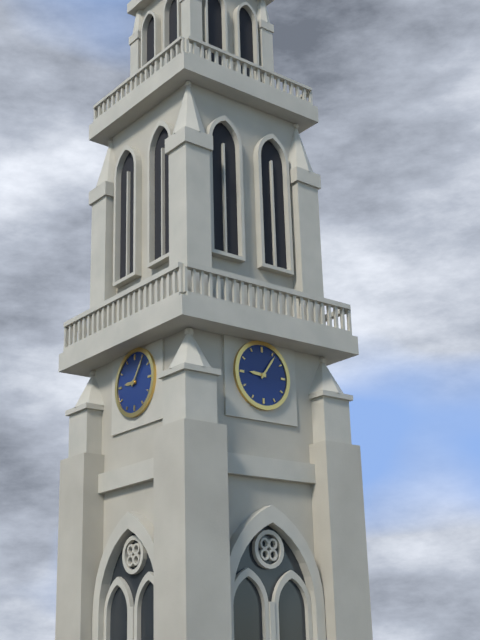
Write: 9:06
